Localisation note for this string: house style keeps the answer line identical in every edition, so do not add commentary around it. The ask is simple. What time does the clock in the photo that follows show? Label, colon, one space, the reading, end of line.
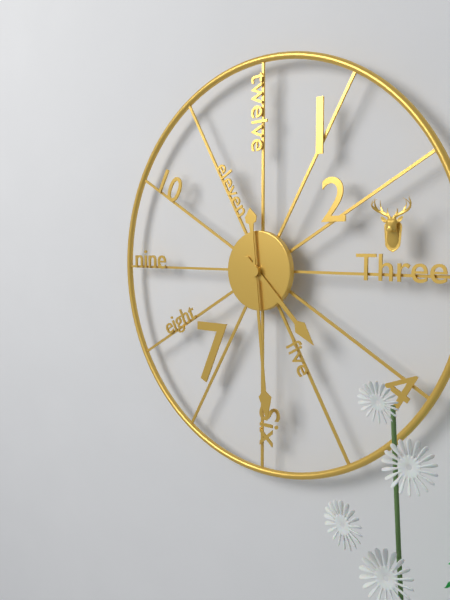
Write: 4:29
